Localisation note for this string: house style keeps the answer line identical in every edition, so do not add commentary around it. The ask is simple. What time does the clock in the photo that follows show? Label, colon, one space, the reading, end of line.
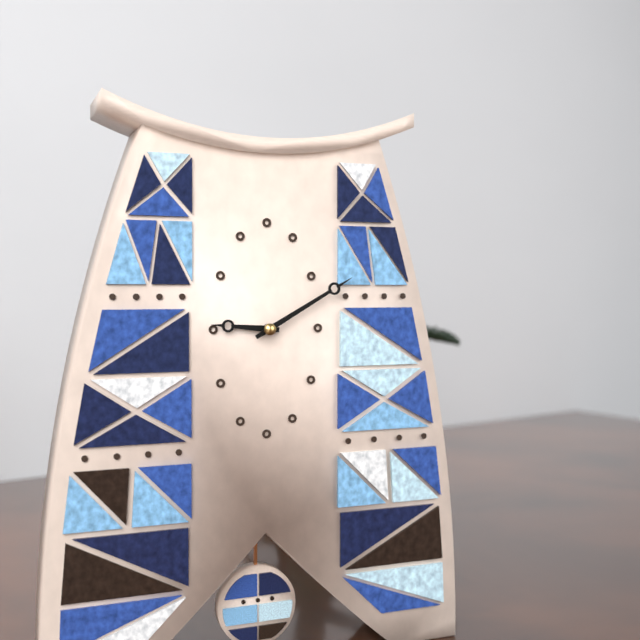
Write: 9:10
